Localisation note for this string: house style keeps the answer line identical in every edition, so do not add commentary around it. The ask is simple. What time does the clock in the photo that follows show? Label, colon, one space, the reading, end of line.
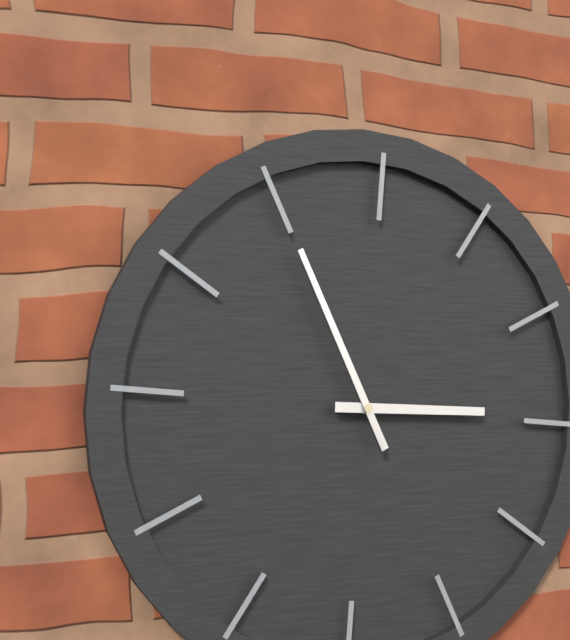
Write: 2:55
